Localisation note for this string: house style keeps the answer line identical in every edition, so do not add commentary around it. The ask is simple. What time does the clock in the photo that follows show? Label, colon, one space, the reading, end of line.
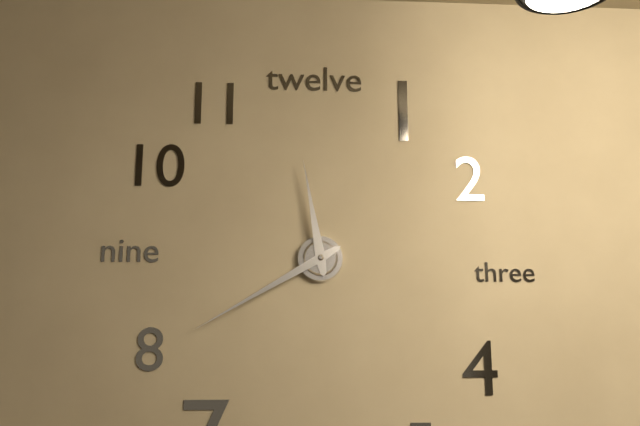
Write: 11:40
